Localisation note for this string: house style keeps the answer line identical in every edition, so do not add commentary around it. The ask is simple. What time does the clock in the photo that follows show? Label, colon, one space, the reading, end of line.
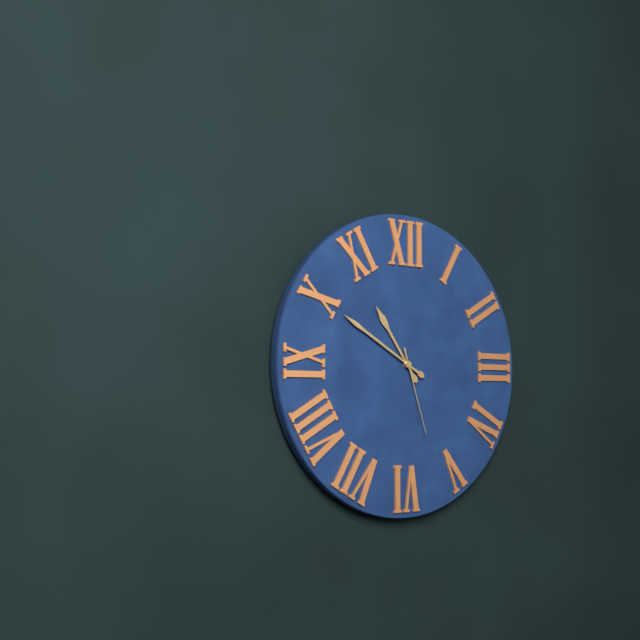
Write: 10:50:27
